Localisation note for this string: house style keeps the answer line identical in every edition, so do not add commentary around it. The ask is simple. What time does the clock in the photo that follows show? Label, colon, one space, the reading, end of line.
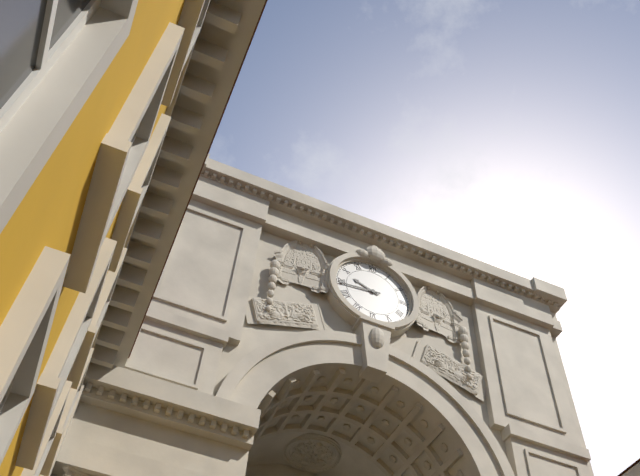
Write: 9:44
